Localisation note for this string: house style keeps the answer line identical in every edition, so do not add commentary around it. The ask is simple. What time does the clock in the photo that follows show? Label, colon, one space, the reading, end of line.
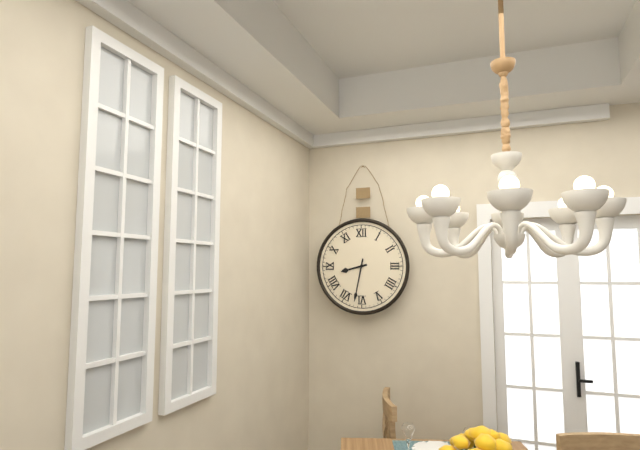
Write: 8:32
